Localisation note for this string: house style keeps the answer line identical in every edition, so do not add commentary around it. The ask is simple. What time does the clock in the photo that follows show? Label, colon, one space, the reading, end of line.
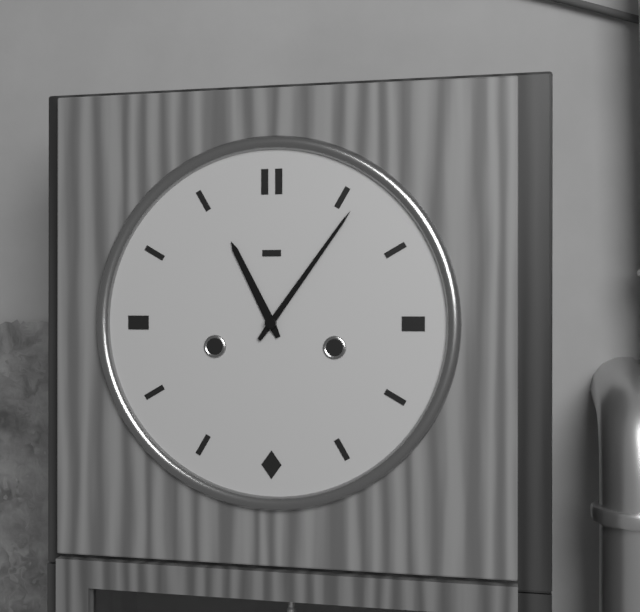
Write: 11:06
